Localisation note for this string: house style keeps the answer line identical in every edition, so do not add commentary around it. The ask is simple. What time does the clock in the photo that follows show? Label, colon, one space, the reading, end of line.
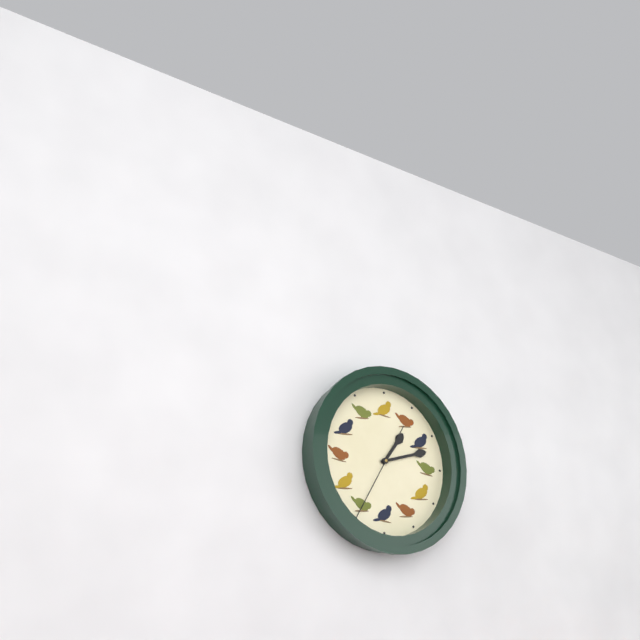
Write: 1:12:35
